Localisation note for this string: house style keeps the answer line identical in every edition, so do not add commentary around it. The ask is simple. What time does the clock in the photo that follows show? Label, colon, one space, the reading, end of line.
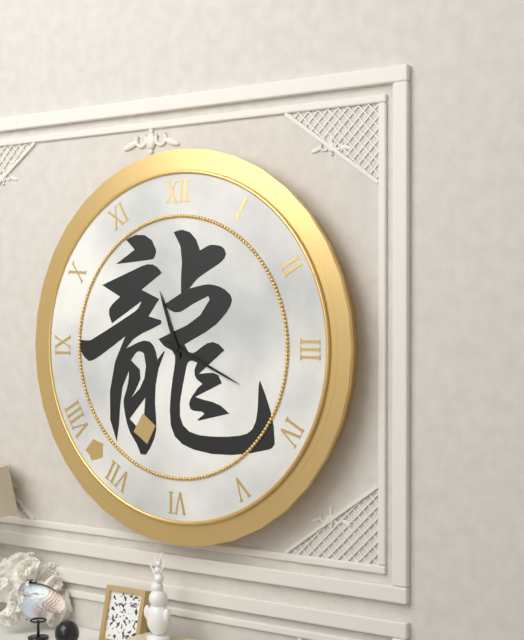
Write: 11:19
